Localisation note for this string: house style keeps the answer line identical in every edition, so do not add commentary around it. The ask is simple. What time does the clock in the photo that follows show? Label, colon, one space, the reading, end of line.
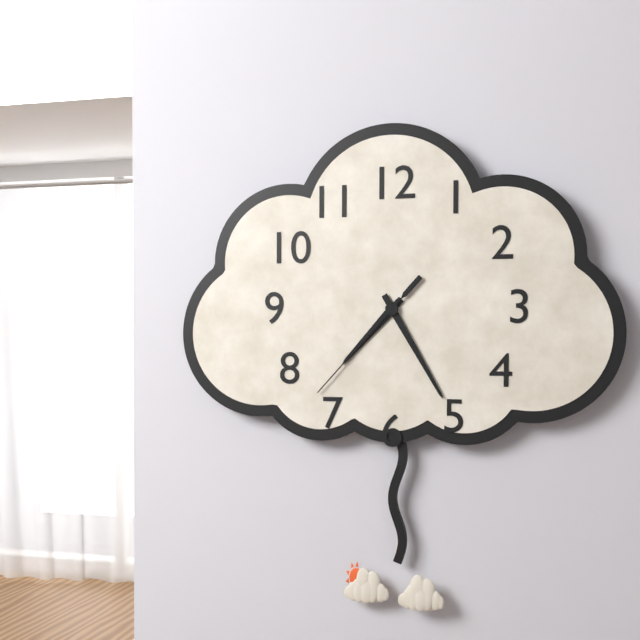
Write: 7:25:37
